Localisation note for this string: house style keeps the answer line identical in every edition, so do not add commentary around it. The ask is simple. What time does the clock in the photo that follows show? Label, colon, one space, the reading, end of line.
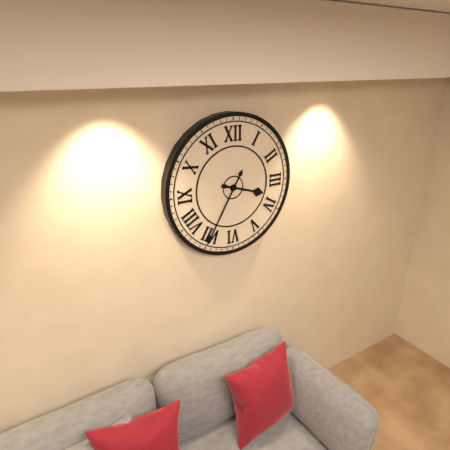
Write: 3:35
